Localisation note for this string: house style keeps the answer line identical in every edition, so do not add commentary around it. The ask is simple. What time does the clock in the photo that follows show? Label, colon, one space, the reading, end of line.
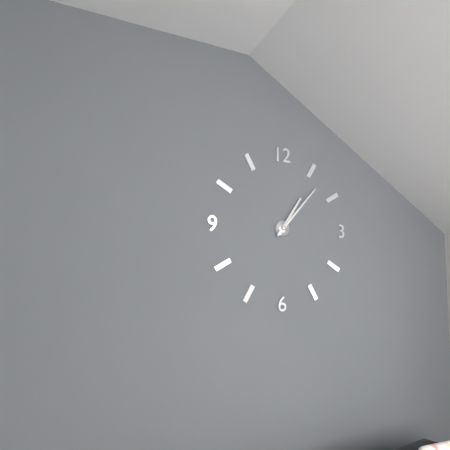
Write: 1:07
